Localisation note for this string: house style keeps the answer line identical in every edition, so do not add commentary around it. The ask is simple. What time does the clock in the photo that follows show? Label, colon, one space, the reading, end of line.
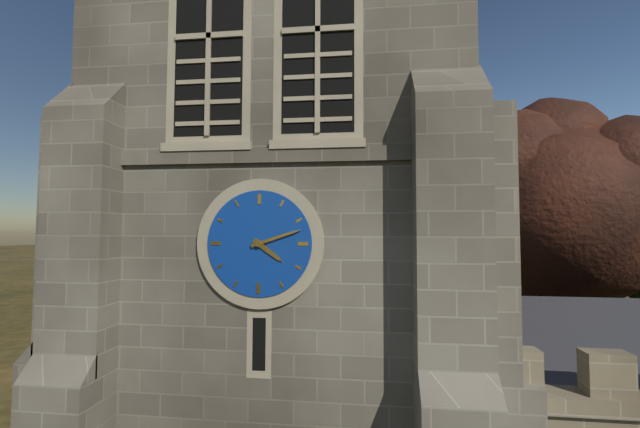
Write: 4:12
